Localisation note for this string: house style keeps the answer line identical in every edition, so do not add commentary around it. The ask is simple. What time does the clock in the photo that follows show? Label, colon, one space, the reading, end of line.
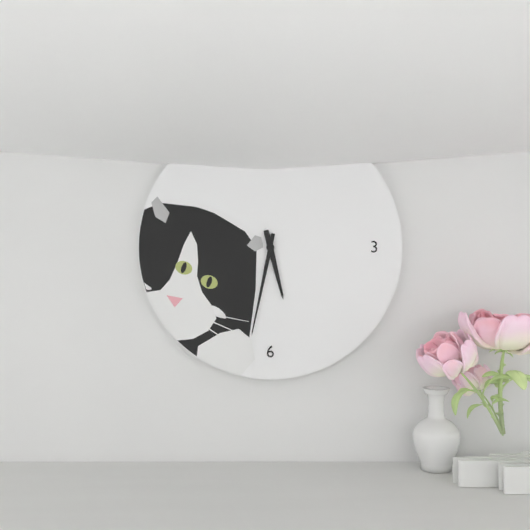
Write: 5:32
